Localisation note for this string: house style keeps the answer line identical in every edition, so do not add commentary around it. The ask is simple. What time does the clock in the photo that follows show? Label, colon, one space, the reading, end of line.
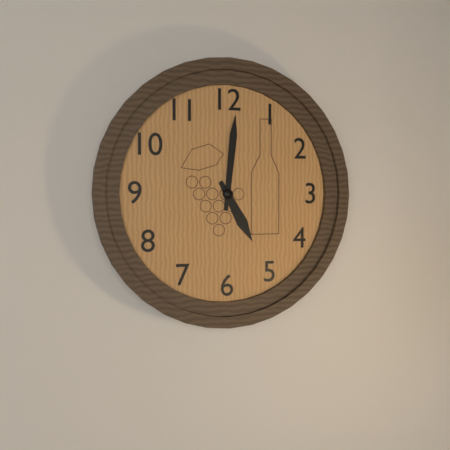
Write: 5:01
